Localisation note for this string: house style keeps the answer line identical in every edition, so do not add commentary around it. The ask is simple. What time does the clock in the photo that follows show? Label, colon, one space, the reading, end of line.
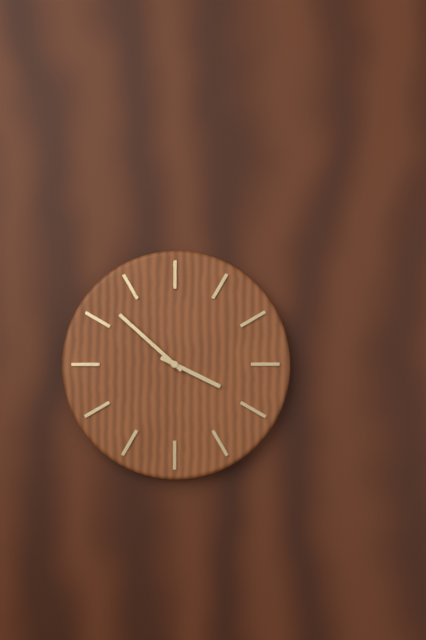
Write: 3:52
